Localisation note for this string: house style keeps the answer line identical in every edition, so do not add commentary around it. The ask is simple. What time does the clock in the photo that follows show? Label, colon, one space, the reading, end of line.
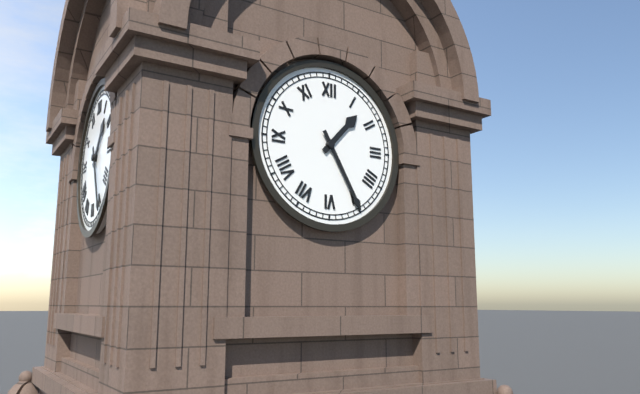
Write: 1:25
